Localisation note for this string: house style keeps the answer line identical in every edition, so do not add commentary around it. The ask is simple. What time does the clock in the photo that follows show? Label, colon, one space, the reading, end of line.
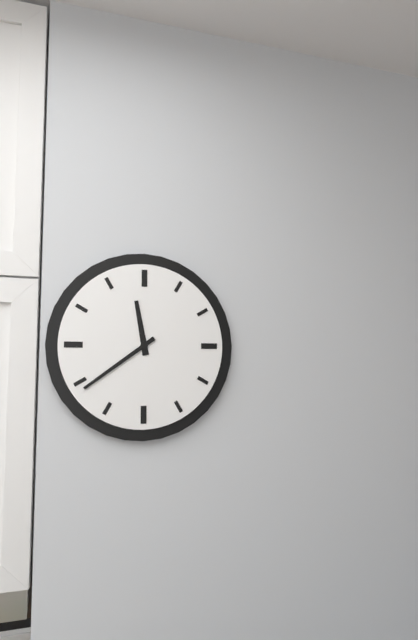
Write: 11:39
